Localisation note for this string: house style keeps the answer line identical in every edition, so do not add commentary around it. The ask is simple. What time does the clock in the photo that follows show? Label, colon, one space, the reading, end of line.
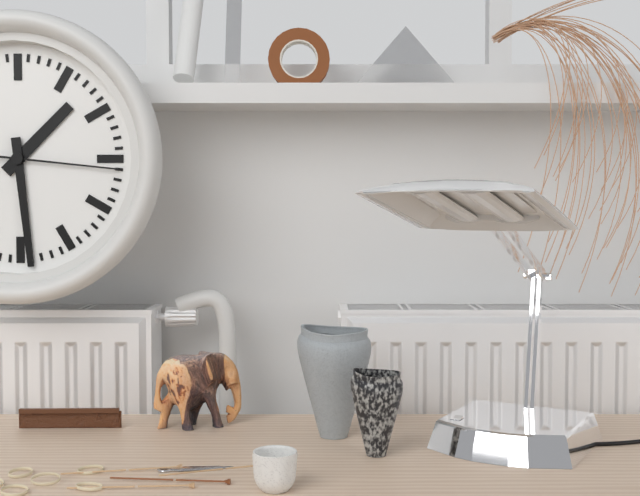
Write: 1:29:16
